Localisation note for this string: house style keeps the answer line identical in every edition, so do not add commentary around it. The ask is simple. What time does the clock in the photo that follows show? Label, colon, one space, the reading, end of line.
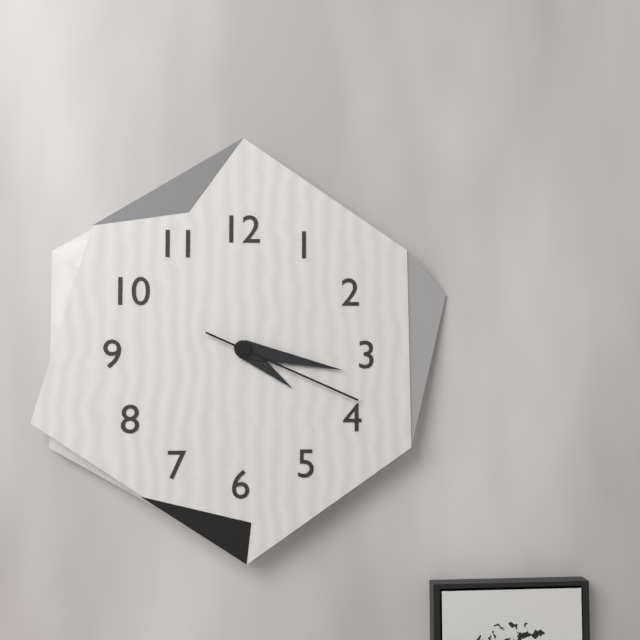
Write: 4:17:19
